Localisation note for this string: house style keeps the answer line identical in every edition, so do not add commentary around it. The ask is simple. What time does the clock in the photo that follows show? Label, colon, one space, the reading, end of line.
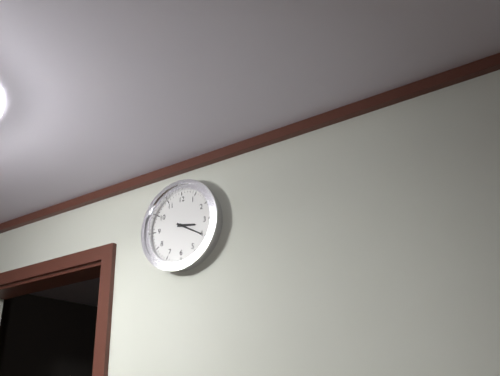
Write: 3:20
